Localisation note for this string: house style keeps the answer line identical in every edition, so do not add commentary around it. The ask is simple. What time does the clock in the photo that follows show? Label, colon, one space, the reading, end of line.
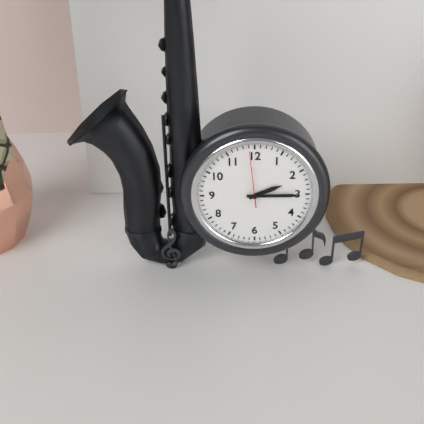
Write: 2:15:59
